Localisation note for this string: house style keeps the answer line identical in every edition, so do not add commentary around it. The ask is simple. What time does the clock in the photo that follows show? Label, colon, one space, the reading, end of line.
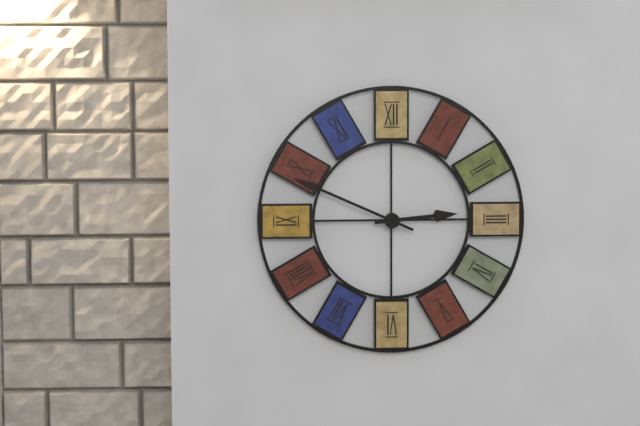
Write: 2:49
